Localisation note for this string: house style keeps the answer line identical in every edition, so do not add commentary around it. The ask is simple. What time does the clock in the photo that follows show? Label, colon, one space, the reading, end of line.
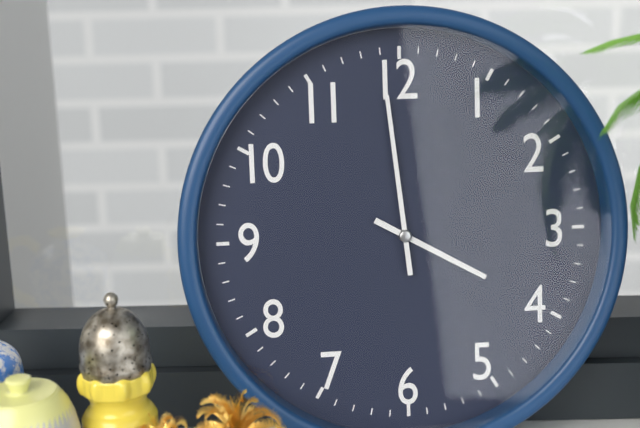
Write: 3:59
